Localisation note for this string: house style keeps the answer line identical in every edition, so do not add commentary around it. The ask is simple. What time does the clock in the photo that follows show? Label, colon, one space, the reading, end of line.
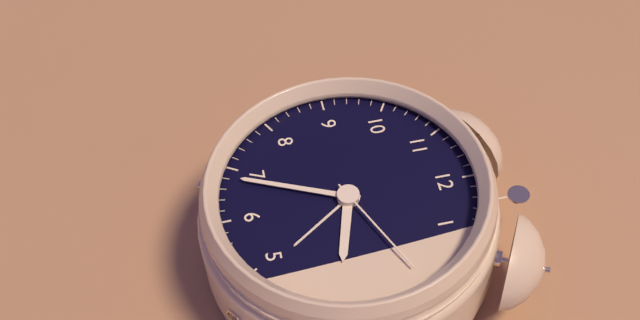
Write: 3:34:11
